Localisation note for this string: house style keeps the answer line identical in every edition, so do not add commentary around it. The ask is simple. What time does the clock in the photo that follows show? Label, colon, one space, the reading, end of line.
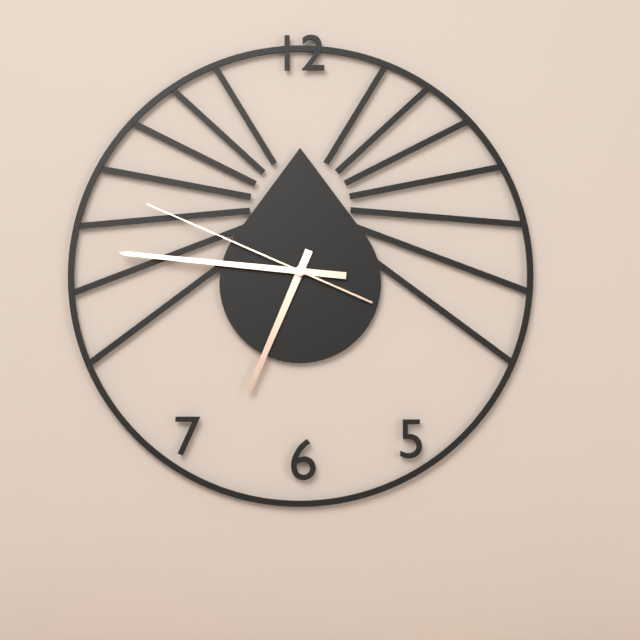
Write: 6:46:49
